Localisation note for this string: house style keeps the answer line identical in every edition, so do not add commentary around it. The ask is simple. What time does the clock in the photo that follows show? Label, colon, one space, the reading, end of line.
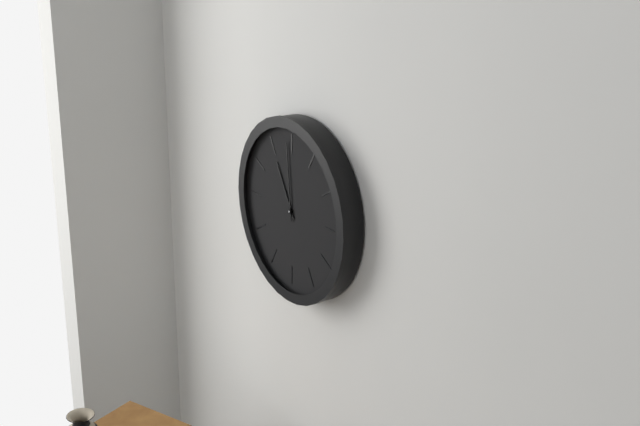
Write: 10:59
